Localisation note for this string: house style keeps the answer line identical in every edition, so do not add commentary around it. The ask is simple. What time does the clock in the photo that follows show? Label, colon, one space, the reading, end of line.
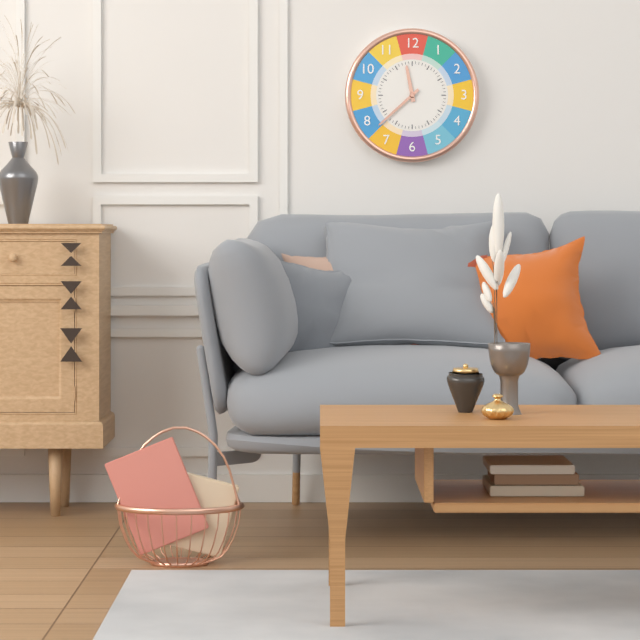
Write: 11:38
